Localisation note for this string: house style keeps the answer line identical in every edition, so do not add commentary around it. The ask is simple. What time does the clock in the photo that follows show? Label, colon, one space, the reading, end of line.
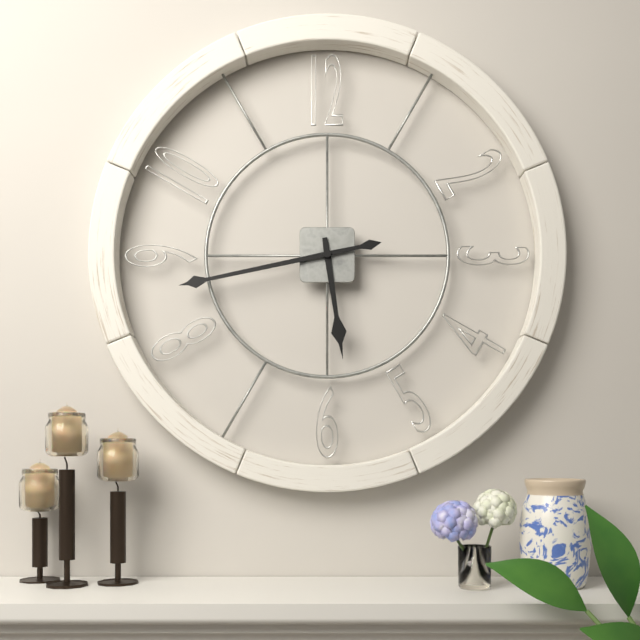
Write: 5:43
